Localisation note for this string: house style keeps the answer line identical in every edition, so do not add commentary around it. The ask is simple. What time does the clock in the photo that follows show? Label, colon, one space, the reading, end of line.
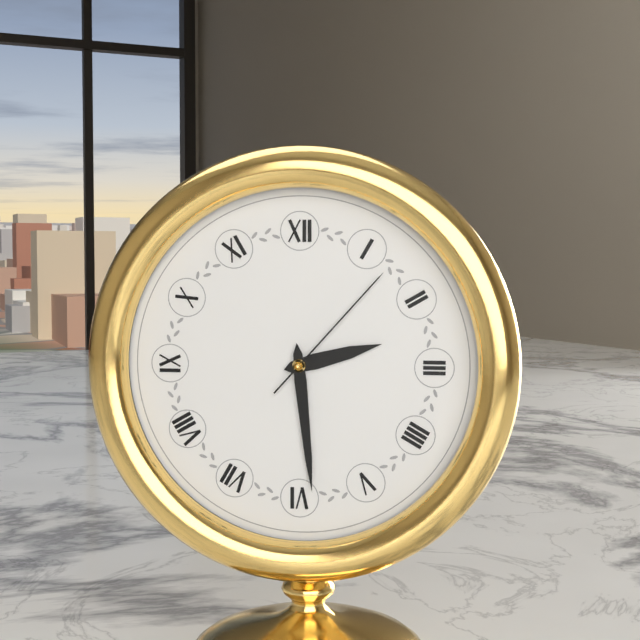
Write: 2:29:07
